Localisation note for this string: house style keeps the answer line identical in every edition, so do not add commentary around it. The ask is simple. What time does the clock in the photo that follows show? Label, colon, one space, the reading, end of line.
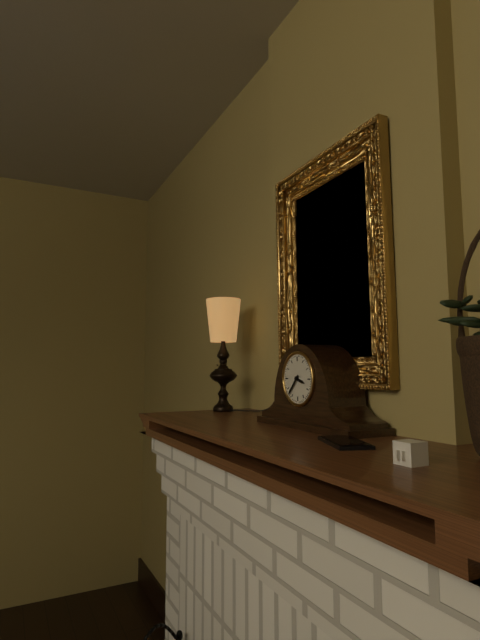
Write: 3:37
